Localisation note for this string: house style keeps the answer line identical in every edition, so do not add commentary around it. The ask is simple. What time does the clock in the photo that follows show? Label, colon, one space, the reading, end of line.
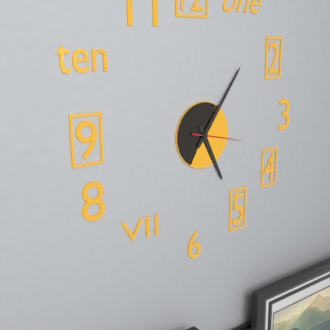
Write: 5:06
